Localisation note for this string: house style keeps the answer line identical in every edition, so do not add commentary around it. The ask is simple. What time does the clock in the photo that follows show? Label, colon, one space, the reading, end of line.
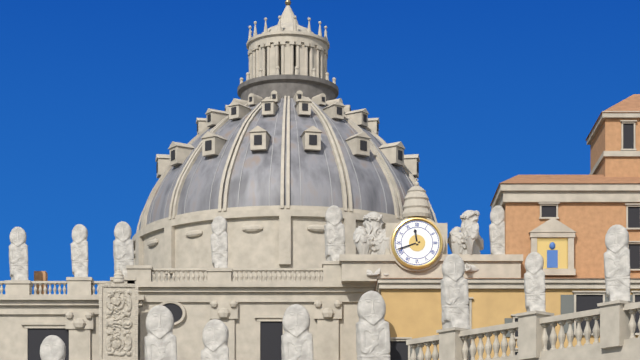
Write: 11:42
